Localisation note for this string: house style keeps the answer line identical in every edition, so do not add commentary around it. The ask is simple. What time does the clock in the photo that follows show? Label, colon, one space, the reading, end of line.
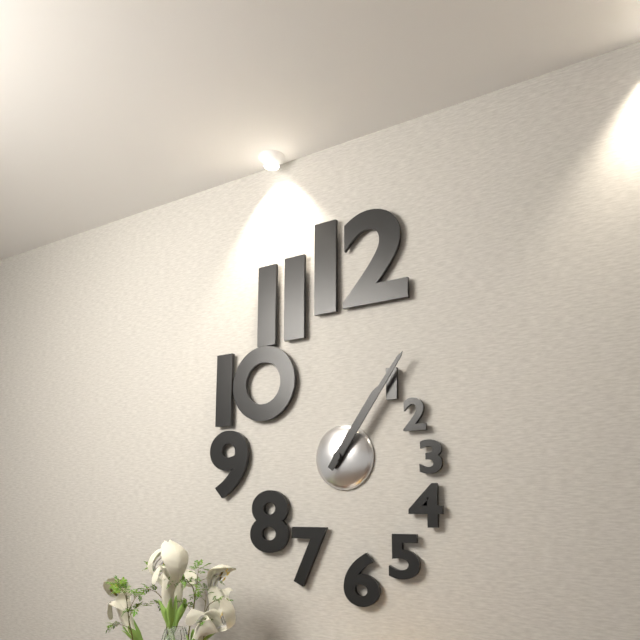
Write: 1:06
